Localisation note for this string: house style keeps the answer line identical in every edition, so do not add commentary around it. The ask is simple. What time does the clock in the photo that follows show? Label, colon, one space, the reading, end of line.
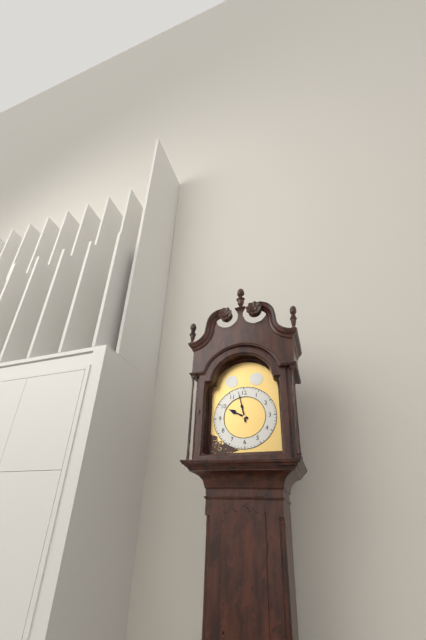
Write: 9:58
